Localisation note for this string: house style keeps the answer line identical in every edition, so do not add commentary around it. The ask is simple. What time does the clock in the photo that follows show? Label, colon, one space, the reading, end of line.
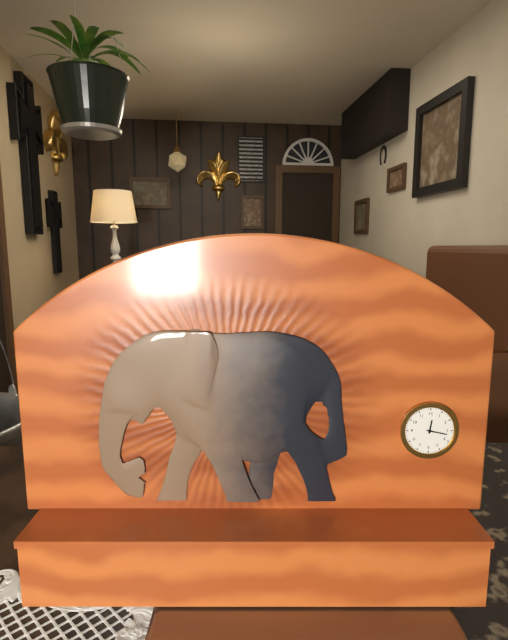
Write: 12:17
